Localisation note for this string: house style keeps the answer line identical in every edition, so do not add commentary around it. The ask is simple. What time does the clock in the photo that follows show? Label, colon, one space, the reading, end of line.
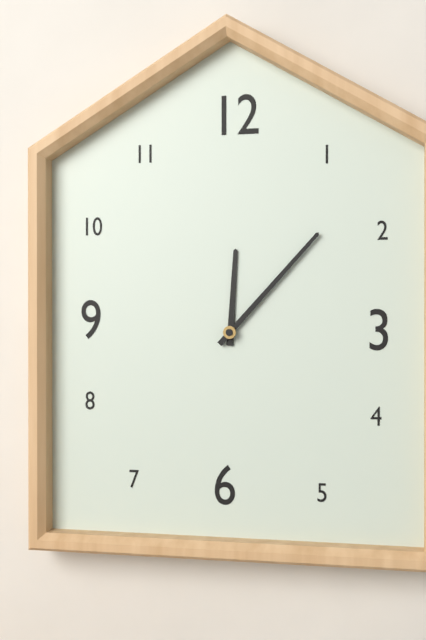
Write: 12:07
